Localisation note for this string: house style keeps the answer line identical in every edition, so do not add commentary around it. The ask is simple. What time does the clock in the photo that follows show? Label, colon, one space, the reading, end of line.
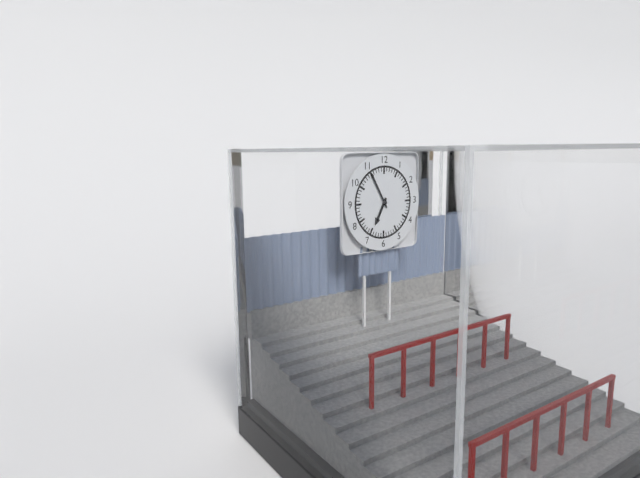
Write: 6:55
